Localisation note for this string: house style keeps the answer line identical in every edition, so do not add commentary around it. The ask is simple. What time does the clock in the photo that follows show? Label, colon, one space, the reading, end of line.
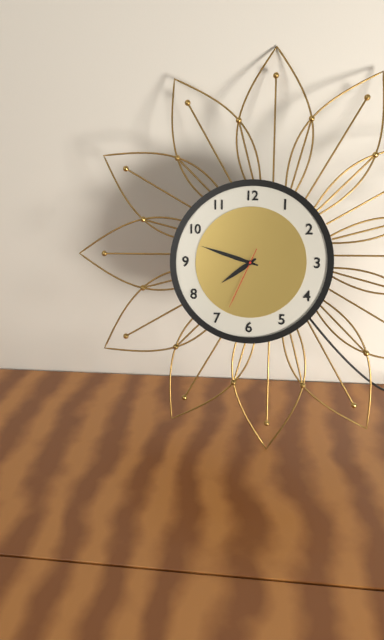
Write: 7:48:34
